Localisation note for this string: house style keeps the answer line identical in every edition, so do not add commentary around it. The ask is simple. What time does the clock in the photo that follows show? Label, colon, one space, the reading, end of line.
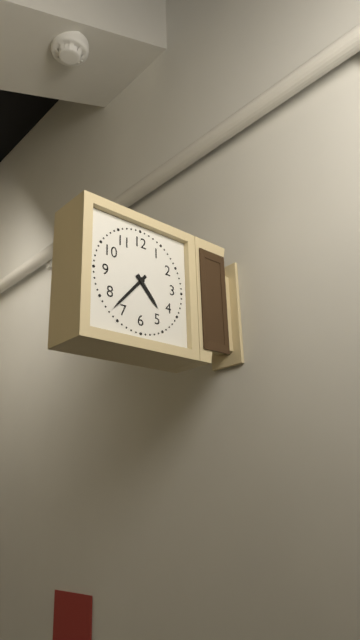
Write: 4:37
